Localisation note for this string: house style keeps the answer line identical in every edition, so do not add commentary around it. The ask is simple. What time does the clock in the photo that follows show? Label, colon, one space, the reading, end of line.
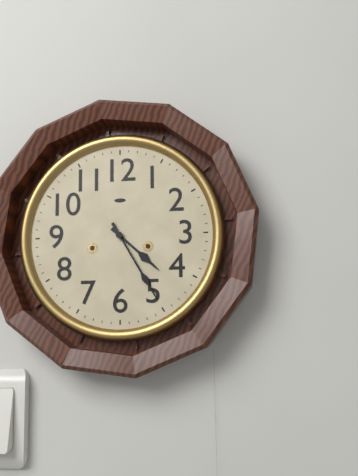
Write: 4:25
